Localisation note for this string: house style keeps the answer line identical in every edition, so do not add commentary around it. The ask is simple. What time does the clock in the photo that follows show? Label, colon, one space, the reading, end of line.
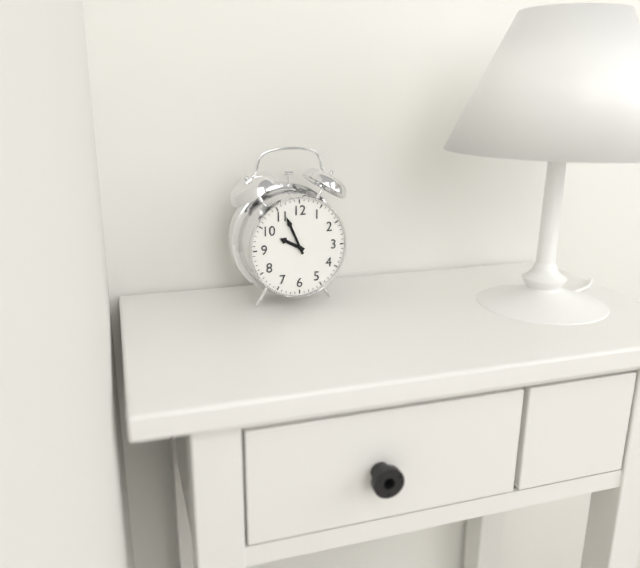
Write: 9:56
